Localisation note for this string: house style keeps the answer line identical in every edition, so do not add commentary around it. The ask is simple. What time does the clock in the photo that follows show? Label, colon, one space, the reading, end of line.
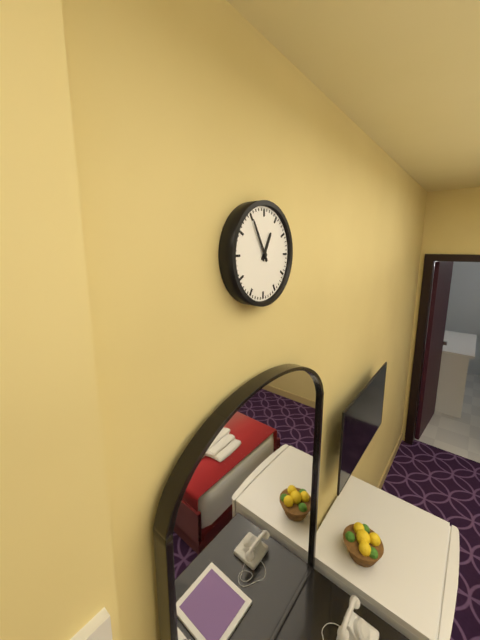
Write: 12:55
